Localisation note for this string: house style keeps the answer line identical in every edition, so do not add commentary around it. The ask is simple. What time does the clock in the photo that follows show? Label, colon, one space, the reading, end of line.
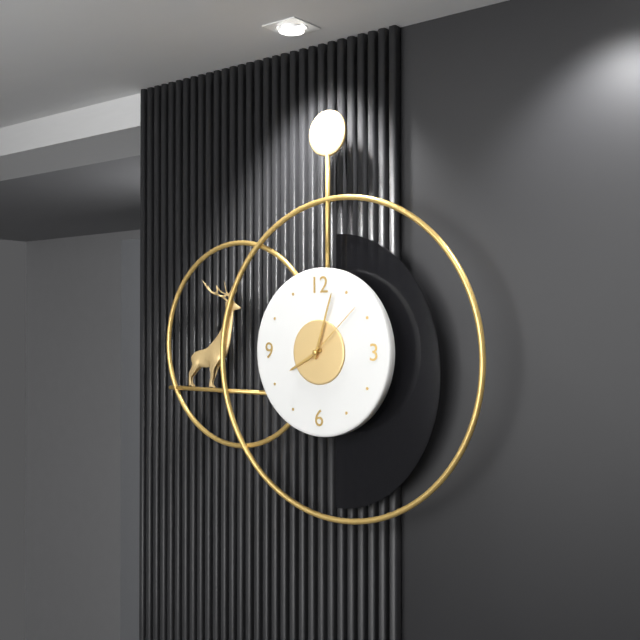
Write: 8:03:08
